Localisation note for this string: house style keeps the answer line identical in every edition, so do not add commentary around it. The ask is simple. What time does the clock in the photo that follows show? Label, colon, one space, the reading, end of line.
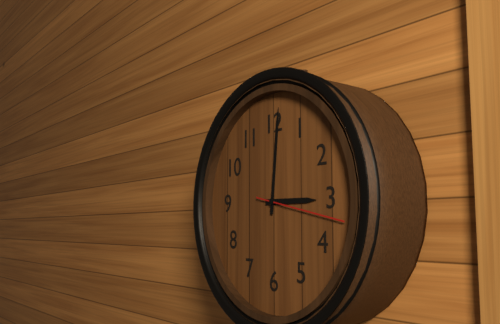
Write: 3:01:17
